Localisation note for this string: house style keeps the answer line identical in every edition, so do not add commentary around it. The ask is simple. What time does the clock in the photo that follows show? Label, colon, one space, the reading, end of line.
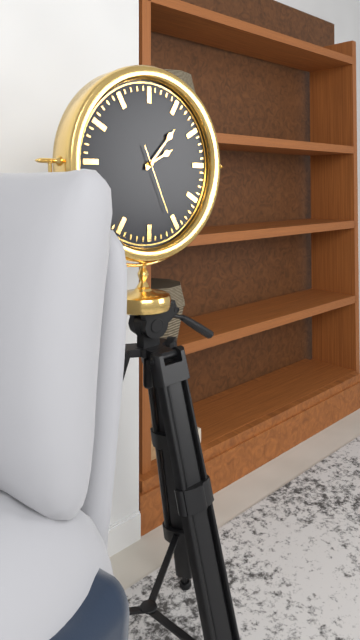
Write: 2:07:26
